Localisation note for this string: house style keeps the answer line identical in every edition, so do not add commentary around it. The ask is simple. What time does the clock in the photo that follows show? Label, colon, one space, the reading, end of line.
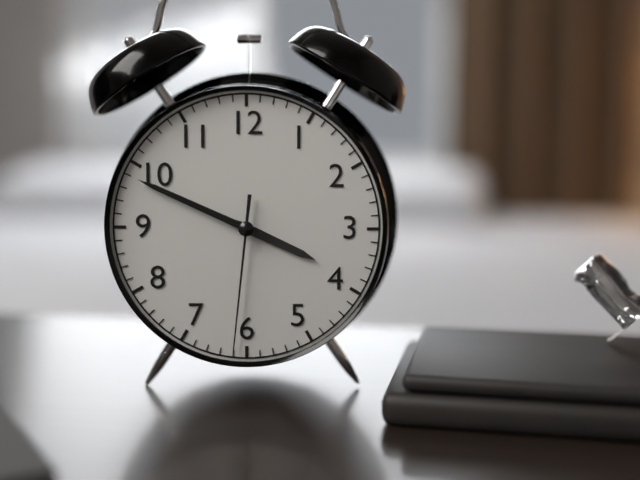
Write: 3:49:31
